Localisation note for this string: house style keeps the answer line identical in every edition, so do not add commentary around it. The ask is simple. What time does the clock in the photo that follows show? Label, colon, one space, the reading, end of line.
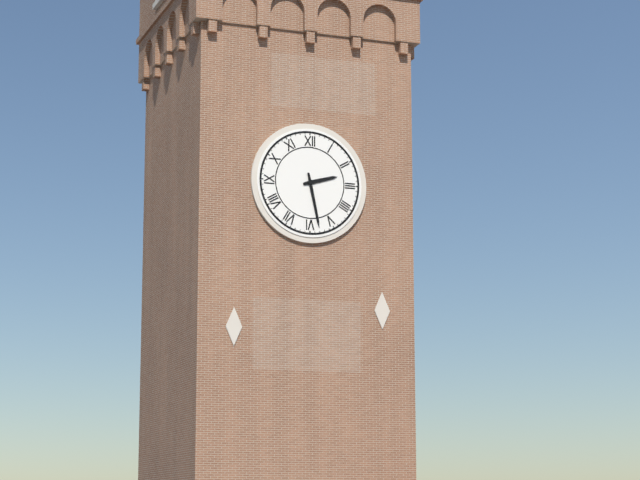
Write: 2:28
